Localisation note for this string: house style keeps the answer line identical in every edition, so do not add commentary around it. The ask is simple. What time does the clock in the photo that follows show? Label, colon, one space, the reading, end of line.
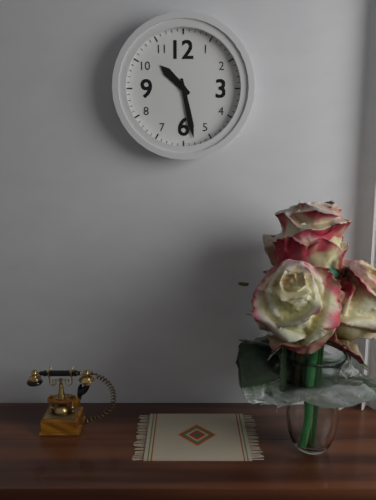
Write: 10:28
